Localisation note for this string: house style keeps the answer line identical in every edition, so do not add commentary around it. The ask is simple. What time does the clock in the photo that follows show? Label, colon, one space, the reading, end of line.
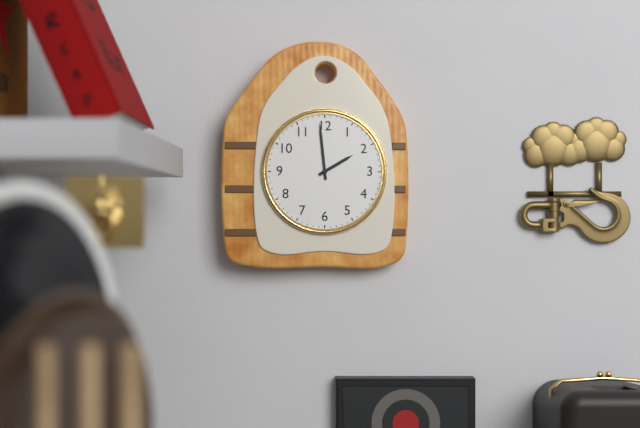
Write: 1:59
